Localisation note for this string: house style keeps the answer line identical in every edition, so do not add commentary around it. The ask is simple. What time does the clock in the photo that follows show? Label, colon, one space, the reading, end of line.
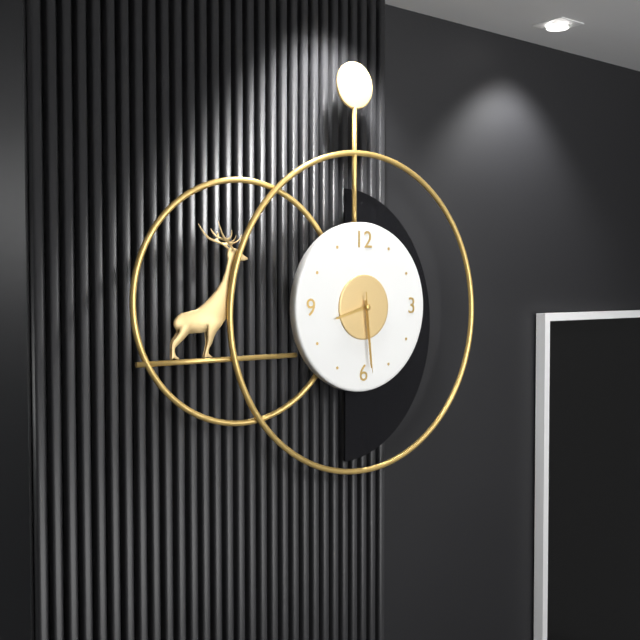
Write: 8:29:29
